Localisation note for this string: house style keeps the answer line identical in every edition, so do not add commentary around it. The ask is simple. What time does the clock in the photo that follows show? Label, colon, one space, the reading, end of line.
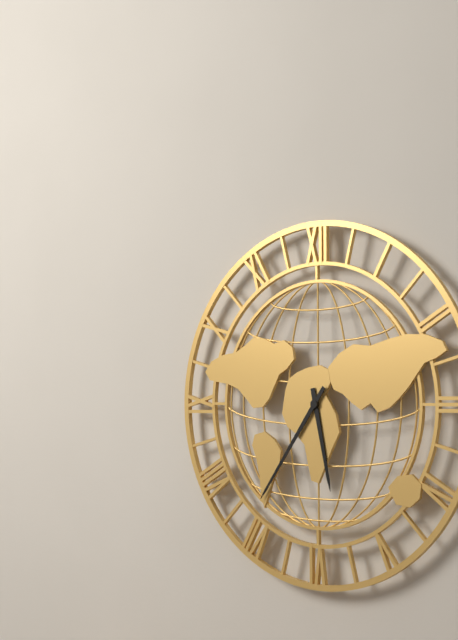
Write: 5:36
